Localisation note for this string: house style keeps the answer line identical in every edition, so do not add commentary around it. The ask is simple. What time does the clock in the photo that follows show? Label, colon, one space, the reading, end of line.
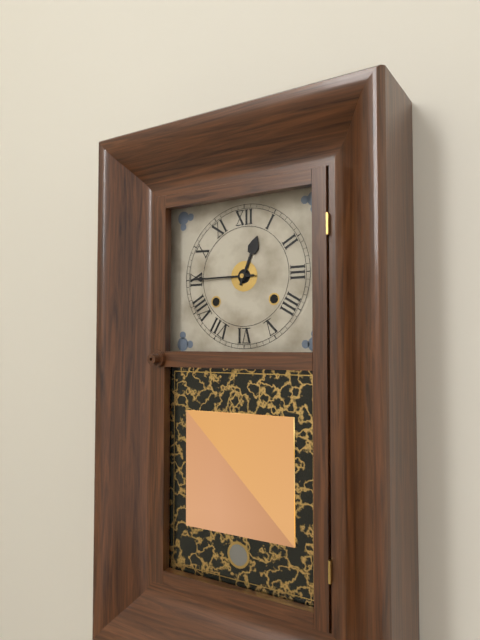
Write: 12:45
